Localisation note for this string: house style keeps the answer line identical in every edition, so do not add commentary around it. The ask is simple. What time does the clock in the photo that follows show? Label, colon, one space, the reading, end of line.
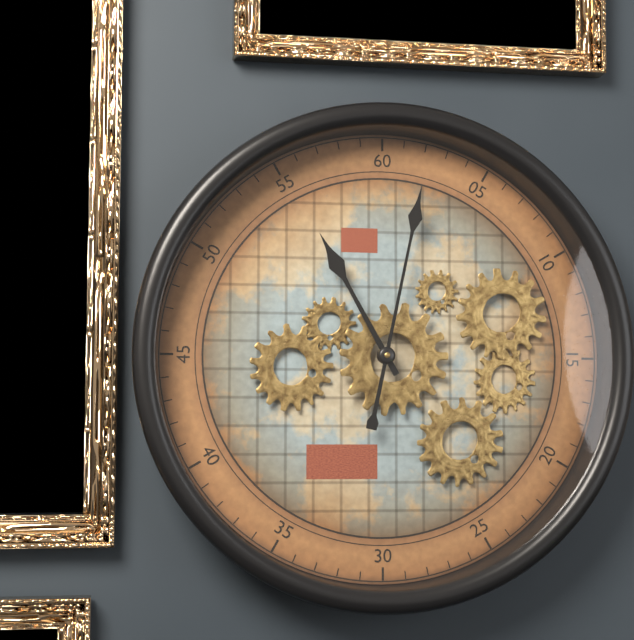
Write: 11:02
